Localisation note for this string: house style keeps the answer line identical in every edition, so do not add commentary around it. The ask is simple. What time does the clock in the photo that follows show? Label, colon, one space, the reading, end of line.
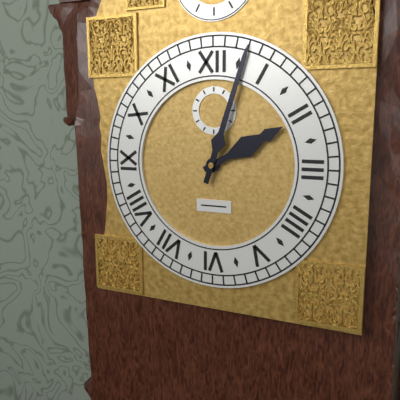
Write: 2:03
